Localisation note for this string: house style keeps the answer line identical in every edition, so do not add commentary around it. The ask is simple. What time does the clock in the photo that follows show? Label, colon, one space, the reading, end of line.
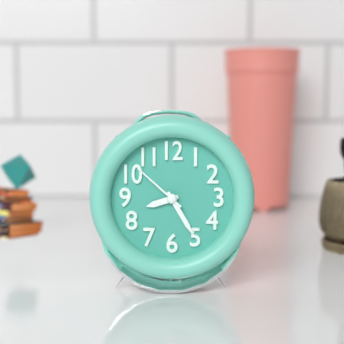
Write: 8:25:52
